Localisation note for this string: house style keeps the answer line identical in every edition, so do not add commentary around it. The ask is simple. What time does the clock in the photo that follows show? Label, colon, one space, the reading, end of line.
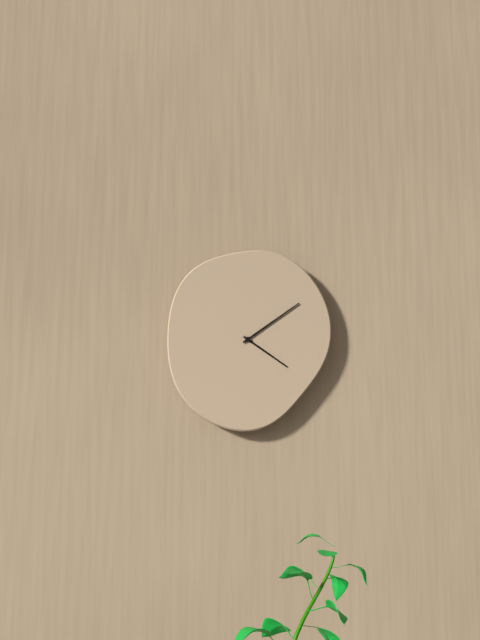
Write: 4:09
